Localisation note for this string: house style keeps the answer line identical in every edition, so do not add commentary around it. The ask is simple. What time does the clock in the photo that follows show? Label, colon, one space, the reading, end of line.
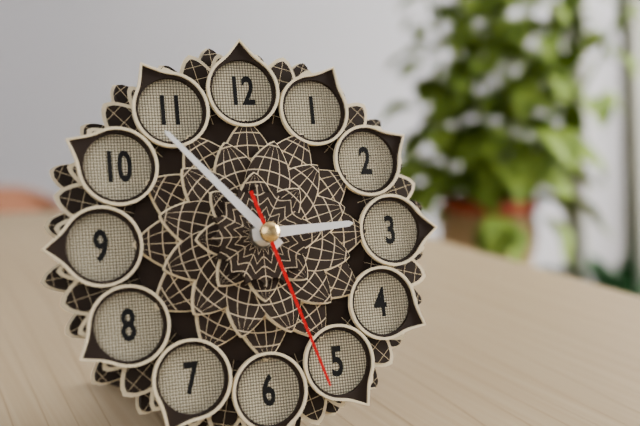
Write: 2:53:27
